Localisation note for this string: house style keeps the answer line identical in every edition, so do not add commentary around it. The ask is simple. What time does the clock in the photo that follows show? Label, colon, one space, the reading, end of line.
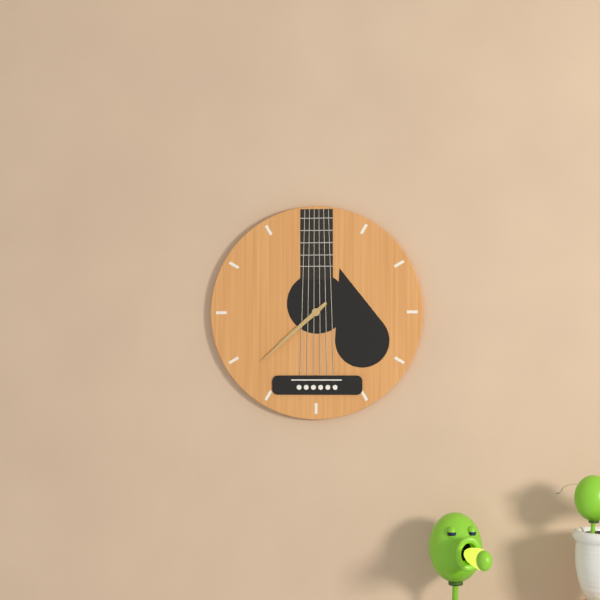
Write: 7:38
